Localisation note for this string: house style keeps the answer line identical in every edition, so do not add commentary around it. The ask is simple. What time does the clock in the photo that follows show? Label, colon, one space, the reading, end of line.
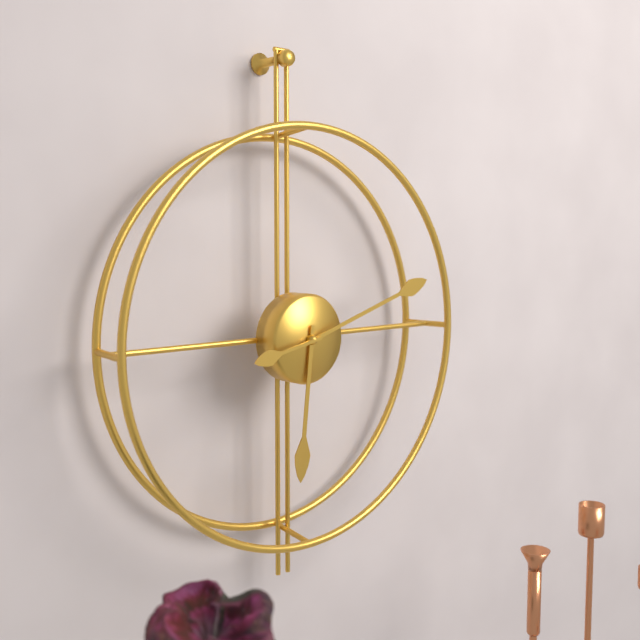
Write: 6:12:43
